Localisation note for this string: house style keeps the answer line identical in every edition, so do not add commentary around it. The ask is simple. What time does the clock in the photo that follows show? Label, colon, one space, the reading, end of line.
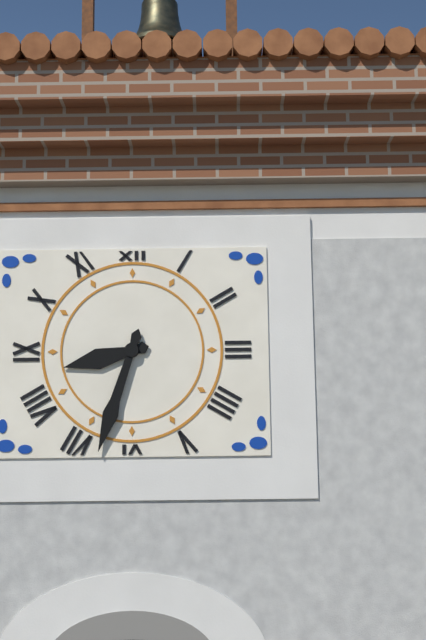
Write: 8:33
